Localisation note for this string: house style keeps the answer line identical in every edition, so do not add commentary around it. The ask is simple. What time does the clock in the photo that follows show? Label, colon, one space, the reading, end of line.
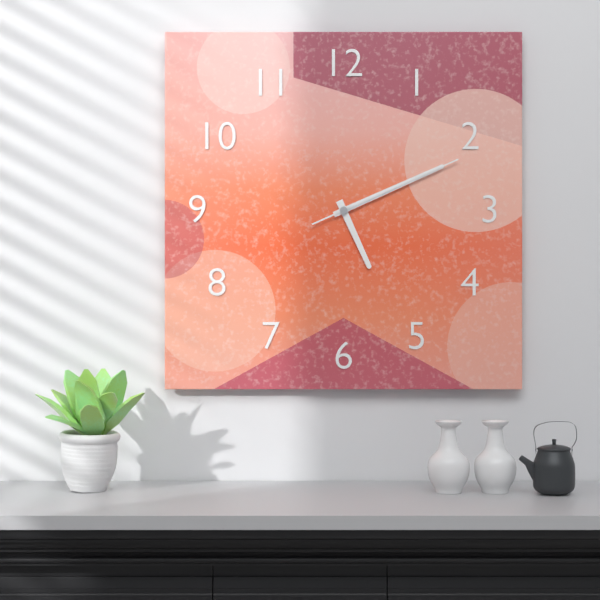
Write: 5:11:11
